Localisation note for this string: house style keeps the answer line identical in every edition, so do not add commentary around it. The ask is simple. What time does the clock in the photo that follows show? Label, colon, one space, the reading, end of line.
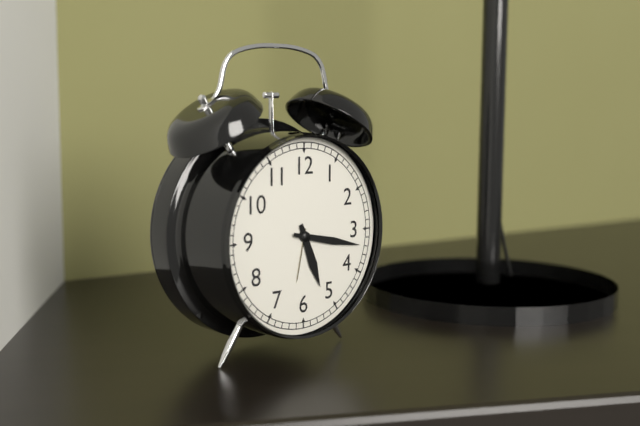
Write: 5:17
